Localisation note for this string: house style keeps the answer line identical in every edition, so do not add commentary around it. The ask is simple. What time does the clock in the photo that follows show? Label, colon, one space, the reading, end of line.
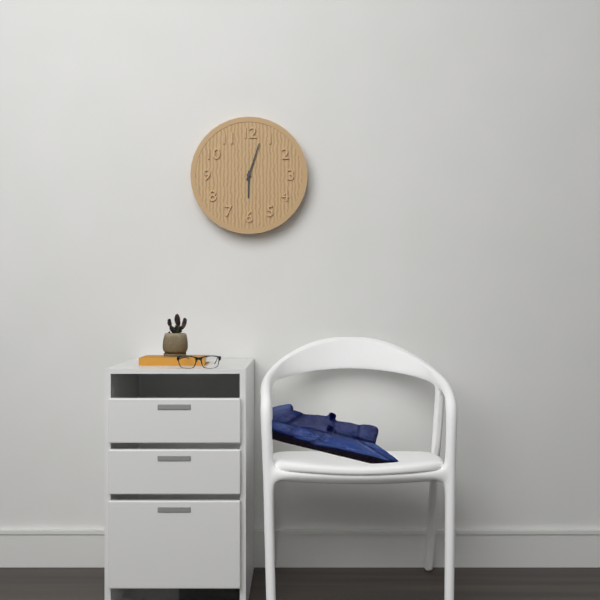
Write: 6:03
